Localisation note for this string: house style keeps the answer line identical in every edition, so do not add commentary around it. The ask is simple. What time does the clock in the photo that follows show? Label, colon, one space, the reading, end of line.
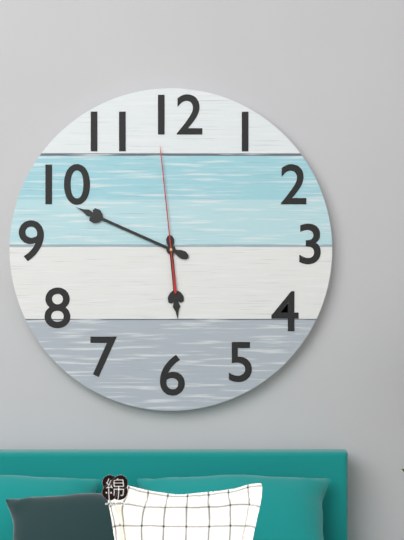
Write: 5:49:59
